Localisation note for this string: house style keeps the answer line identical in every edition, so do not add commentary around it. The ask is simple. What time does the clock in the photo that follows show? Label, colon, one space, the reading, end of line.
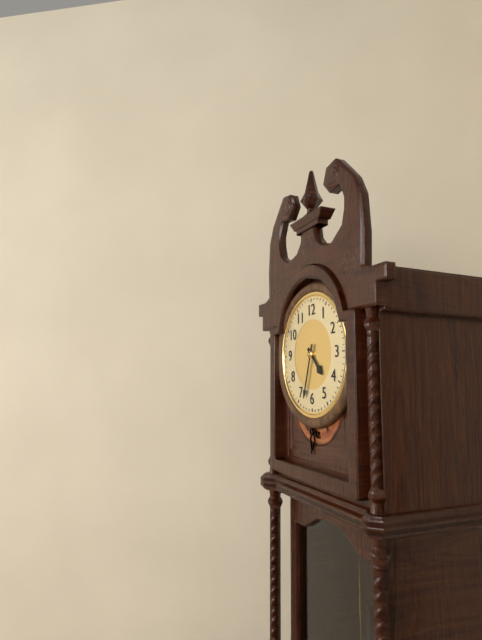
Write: 4:33
